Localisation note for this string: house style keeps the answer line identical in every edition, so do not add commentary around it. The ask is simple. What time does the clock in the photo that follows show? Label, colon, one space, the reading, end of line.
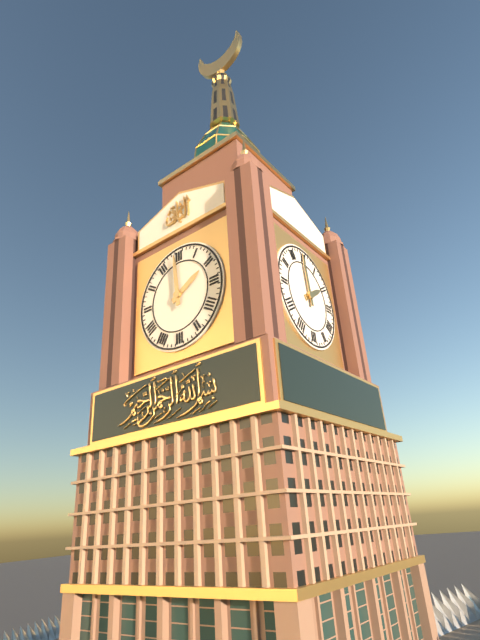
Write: 1:59
